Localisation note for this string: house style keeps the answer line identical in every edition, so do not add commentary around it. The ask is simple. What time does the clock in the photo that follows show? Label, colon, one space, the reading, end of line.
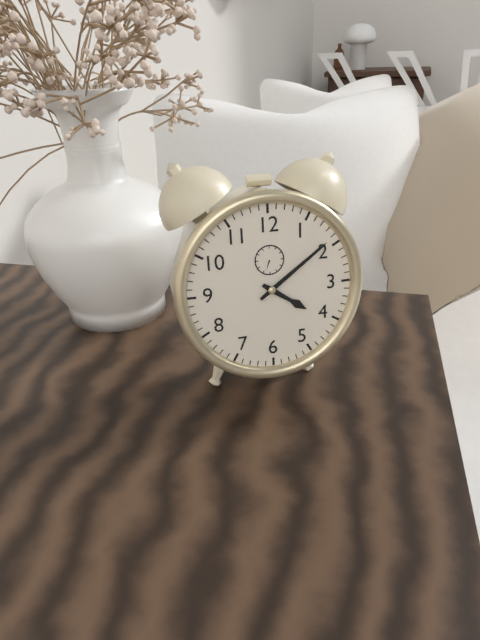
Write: 4:09
